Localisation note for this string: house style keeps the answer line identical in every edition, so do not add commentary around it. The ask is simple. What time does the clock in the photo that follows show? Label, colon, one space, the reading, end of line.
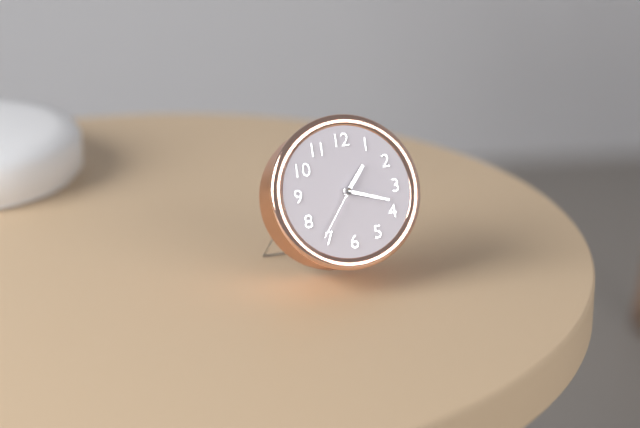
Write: 1:18:36
